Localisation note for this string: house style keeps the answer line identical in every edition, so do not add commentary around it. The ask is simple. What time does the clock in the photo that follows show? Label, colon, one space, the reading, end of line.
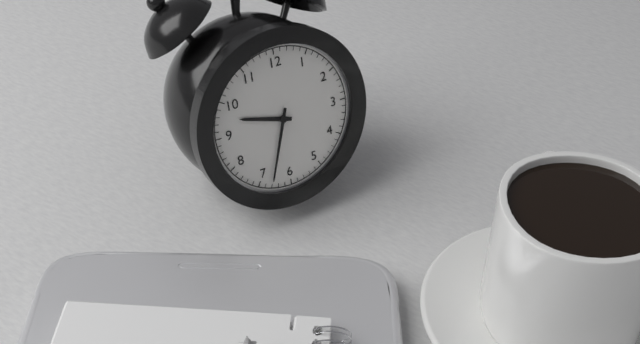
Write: 9:33
